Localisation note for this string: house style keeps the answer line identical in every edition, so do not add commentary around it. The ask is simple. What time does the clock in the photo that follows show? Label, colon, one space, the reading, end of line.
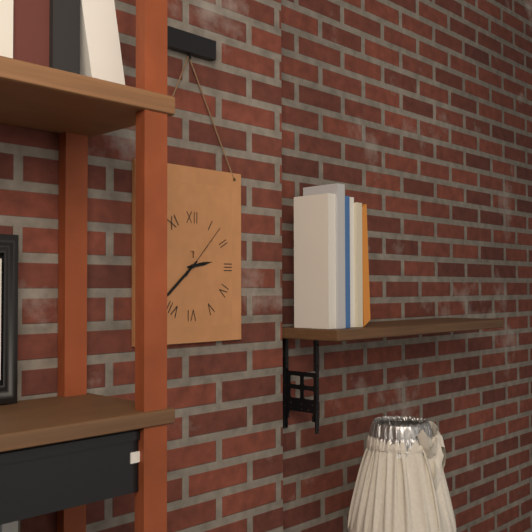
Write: 2:38:07
